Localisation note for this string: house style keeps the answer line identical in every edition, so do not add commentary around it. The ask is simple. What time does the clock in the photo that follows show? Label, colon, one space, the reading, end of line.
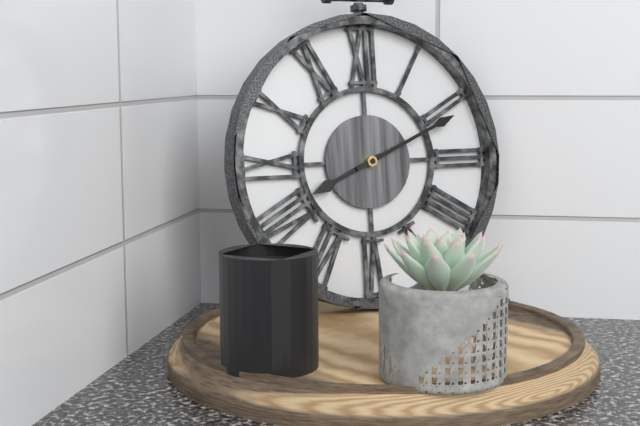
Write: 8:11
